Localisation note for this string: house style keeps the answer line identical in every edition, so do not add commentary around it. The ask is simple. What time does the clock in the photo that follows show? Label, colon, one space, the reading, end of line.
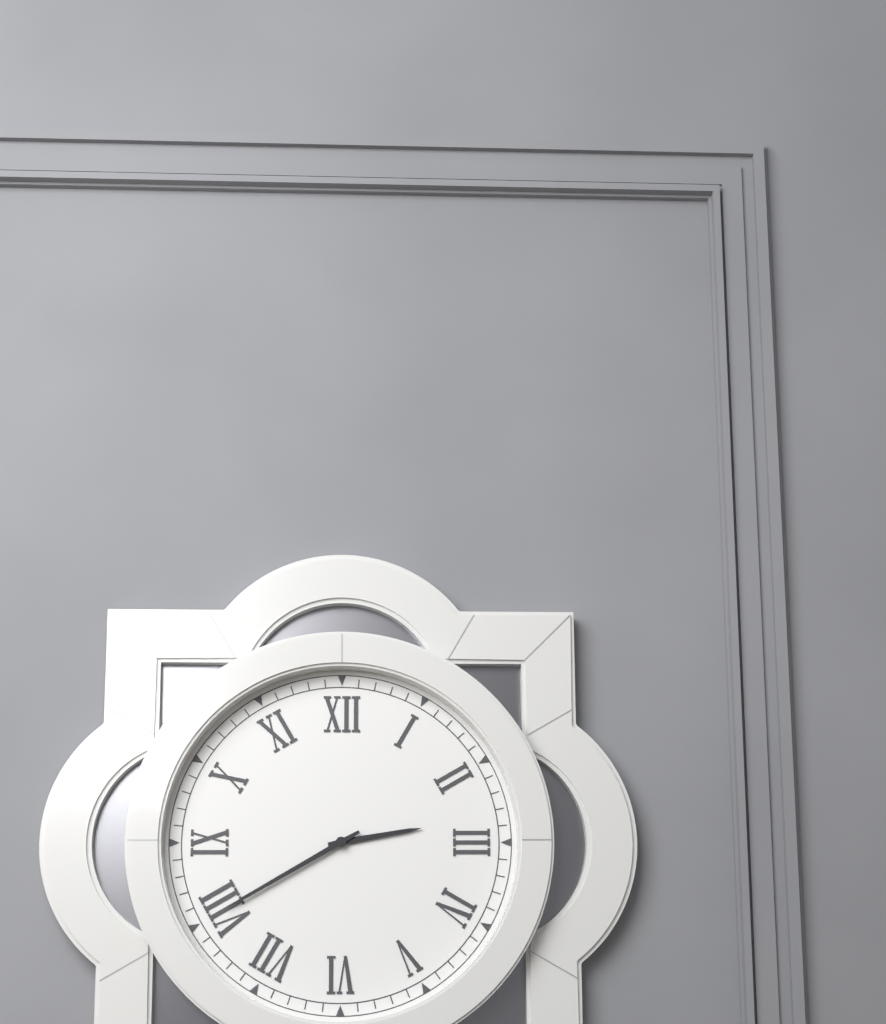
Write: 2:40
